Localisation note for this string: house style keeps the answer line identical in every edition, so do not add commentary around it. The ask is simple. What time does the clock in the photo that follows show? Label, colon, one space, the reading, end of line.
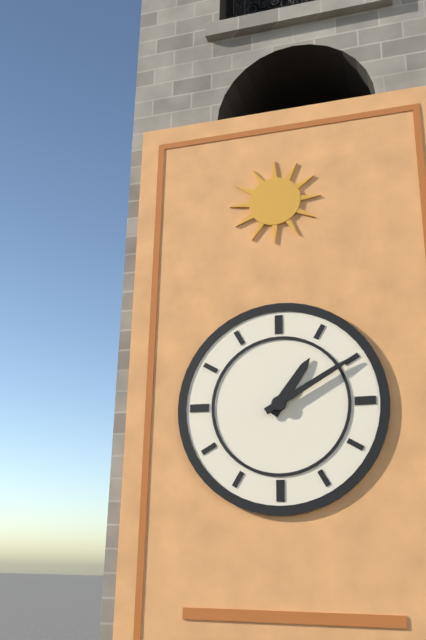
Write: 1:10
